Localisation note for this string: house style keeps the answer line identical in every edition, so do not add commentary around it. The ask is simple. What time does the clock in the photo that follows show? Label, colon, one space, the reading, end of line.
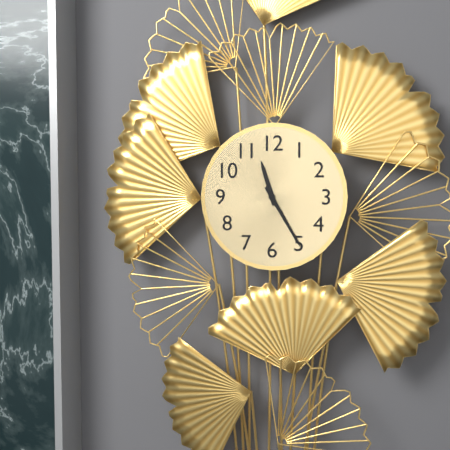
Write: 11:25
